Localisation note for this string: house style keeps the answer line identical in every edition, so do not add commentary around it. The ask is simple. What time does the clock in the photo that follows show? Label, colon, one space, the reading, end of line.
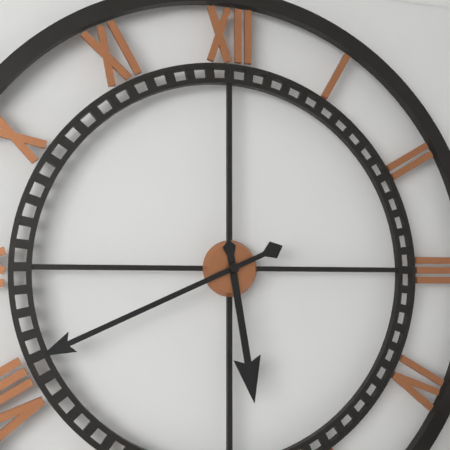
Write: 5:41
